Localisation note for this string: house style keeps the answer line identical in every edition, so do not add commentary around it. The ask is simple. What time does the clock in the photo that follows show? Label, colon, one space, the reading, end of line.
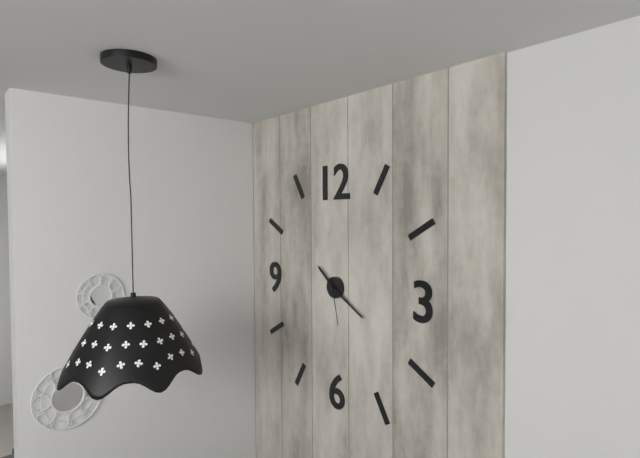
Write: 10:20
